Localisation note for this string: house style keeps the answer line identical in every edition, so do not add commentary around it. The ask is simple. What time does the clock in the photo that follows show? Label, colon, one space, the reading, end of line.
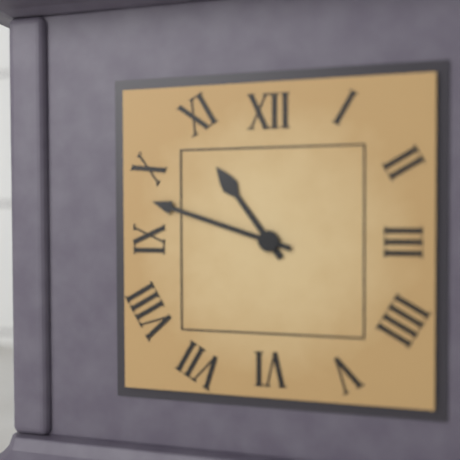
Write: 10:48
